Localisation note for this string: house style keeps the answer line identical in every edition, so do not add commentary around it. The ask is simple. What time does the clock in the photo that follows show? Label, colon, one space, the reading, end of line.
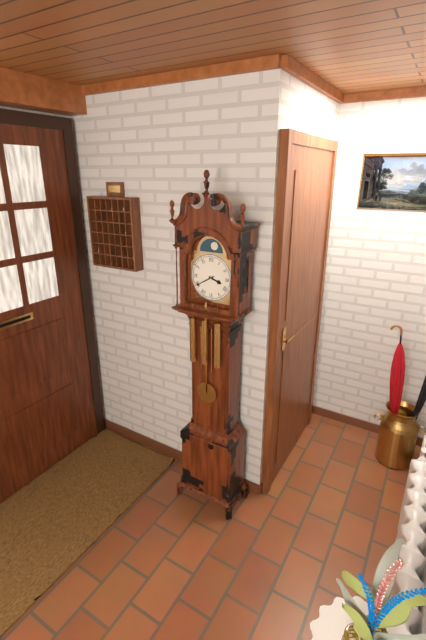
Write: 3:40
